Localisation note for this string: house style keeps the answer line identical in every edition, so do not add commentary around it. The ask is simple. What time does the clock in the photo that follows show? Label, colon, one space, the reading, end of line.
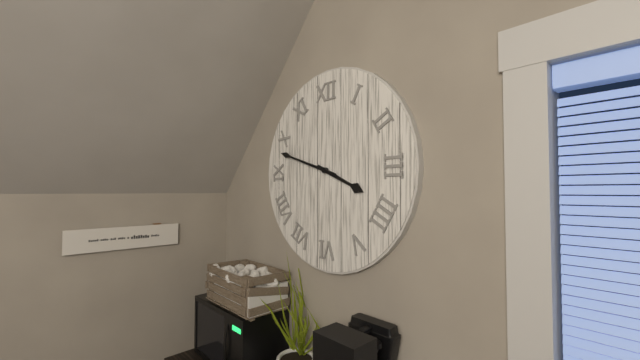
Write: 3:48
